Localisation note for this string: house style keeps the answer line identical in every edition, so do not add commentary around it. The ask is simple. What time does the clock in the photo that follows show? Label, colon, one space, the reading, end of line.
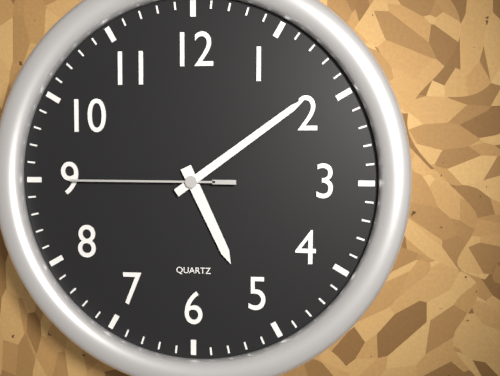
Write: 5:09:45
